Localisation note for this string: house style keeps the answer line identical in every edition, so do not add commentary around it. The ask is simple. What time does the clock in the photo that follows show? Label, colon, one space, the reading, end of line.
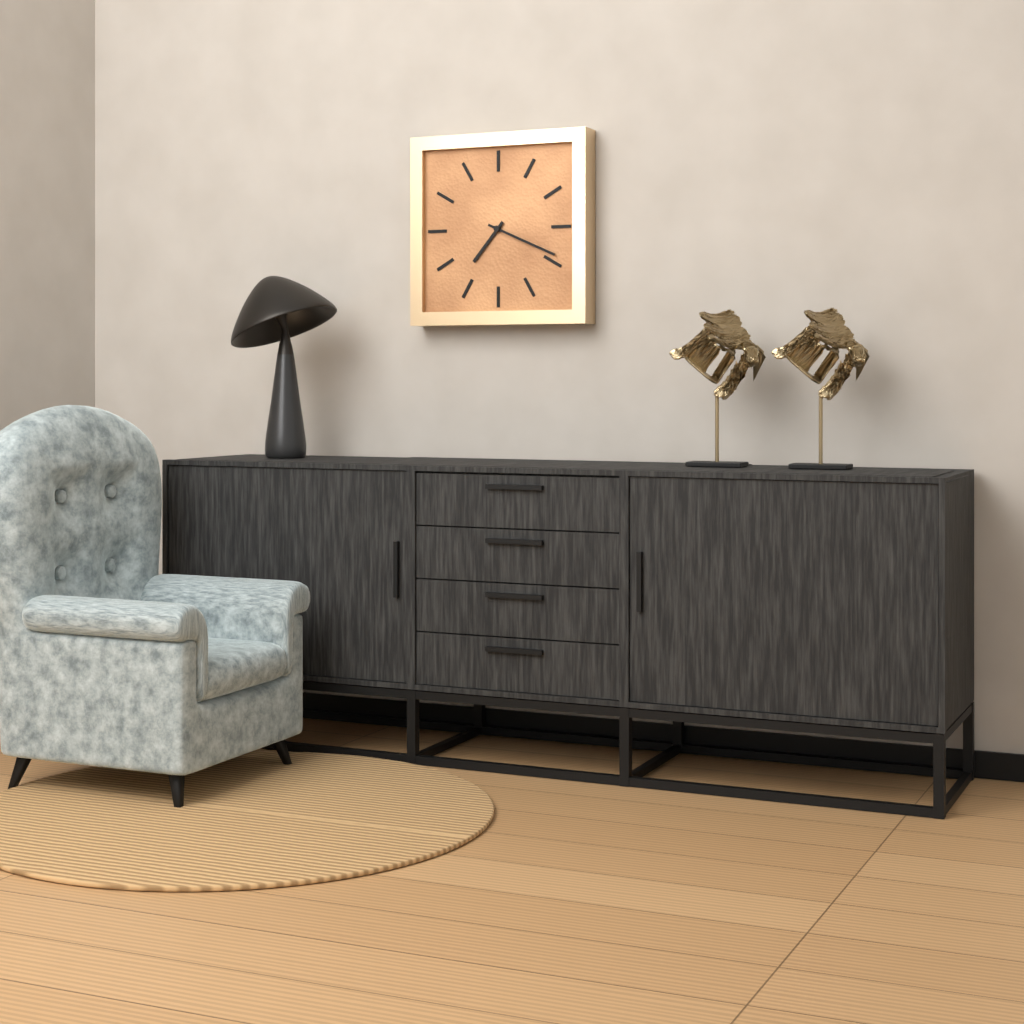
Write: 7:19
